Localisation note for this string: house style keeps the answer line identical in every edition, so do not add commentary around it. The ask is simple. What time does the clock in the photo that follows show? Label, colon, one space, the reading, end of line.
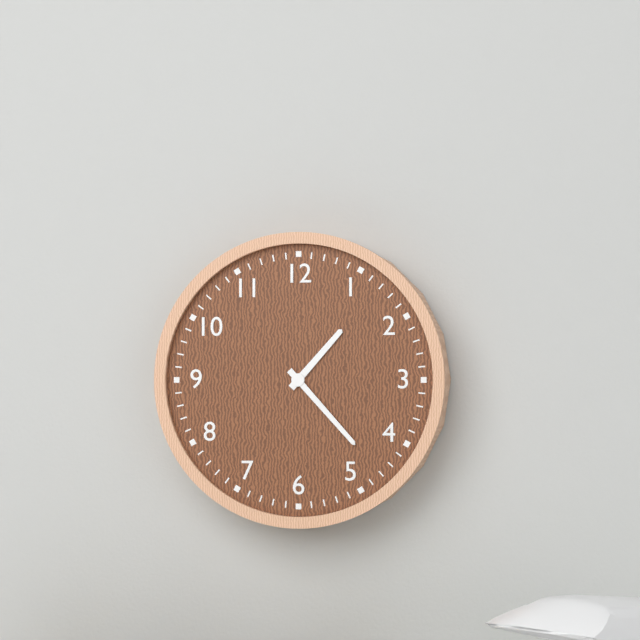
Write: 1:23
